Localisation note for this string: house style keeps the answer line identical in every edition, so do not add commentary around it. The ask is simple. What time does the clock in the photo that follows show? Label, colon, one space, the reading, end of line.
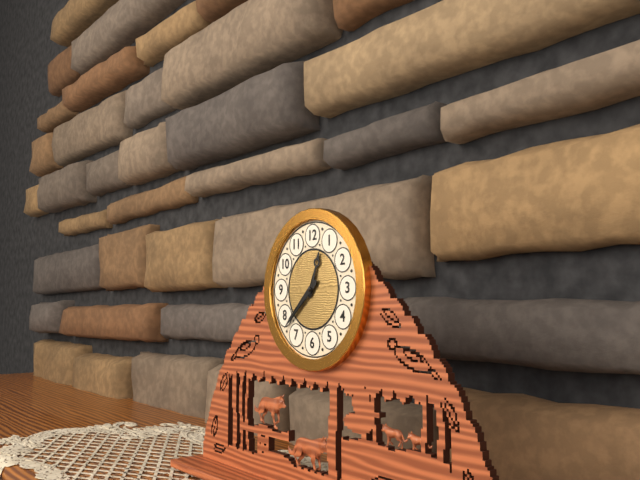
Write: 12:38
